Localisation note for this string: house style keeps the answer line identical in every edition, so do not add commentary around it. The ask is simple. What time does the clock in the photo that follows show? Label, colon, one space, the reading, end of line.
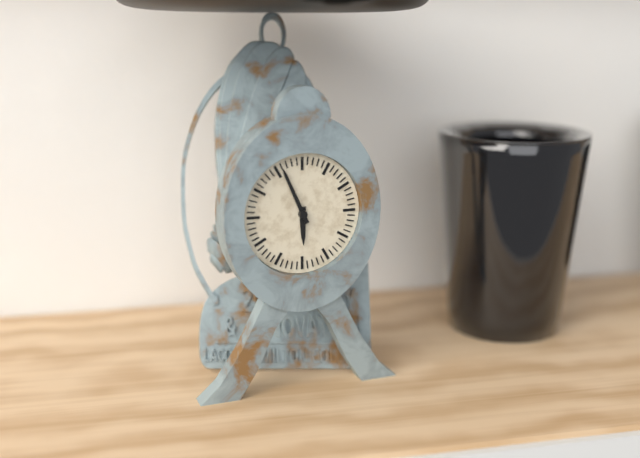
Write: 5:56
